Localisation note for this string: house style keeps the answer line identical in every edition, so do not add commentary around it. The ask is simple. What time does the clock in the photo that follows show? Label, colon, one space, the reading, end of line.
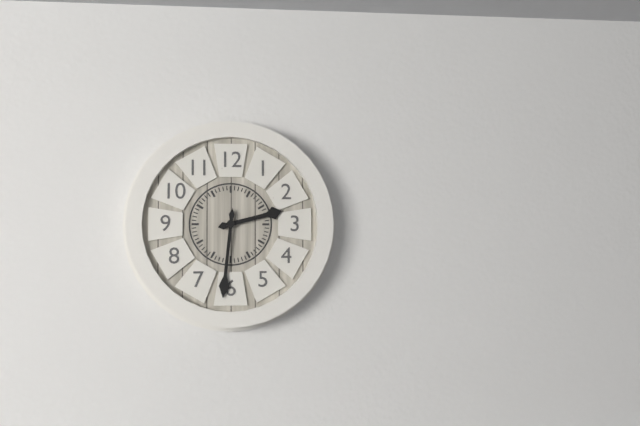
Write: 2:31
